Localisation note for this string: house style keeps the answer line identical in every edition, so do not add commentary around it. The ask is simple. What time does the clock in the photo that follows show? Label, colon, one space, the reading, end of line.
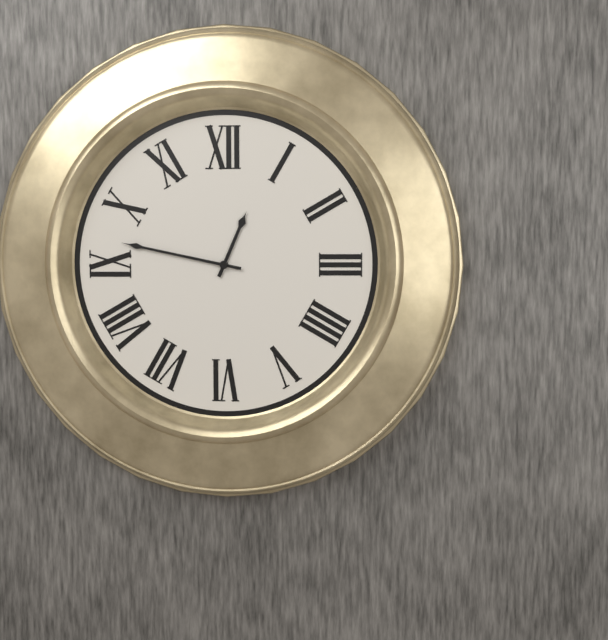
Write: 12:47
